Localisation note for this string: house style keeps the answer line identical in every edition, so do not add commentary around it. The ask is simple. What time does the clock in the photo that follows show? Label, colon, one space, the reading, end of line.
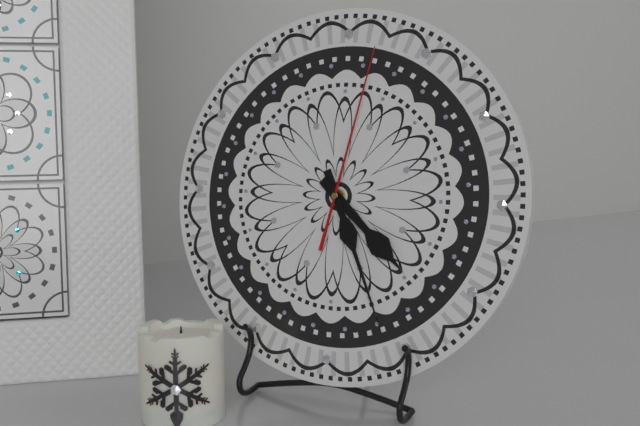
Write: 4:26:02
